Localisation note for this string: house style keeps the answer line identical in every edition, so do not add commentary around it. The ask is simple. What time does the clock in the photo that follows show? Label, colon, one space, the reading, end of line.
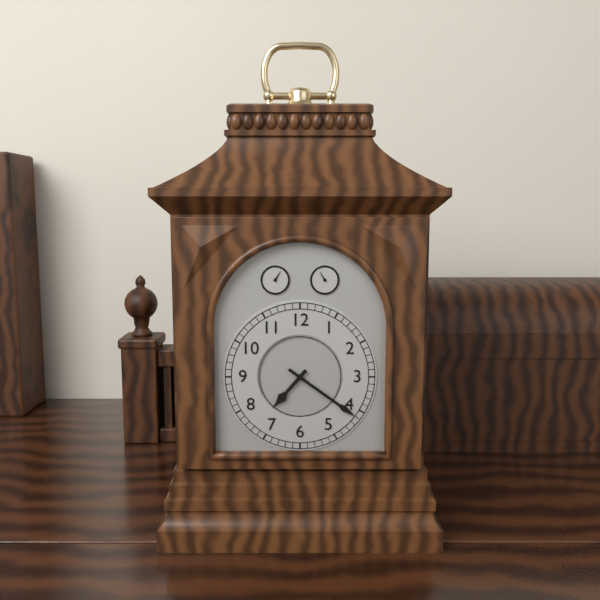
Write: 7:21
